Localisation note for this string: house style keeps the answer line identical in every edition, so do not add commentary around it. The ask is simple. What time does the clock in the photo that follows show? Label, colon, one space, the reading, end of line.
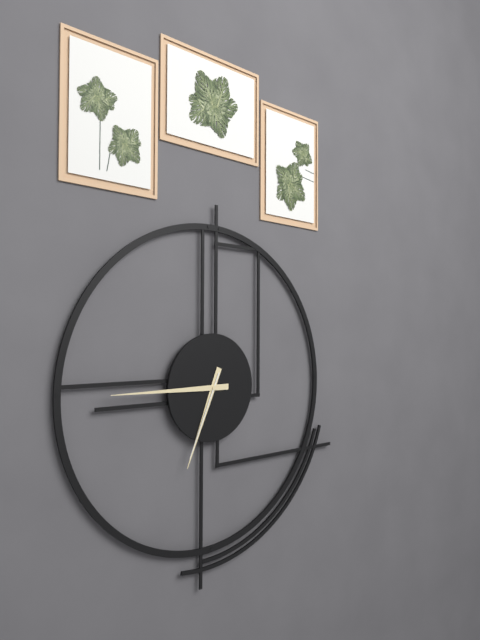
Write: 6:45:34
